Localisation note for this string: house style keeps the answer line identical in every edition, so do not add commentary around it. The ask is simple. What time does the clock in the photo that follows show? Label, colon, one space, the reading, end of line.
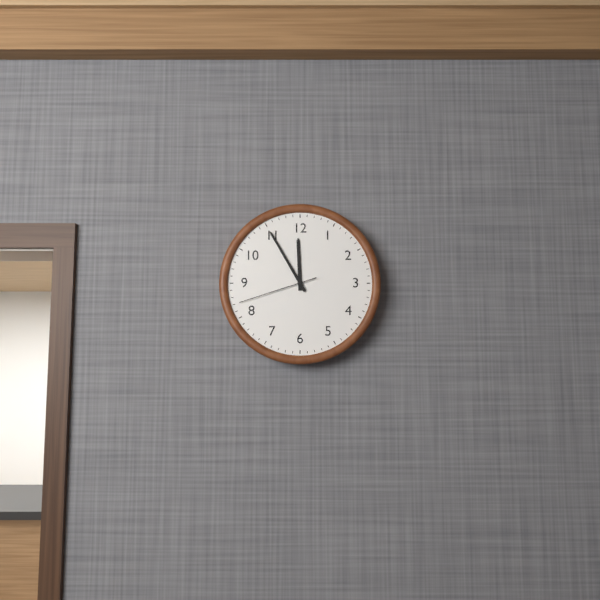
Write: 11:55:42
